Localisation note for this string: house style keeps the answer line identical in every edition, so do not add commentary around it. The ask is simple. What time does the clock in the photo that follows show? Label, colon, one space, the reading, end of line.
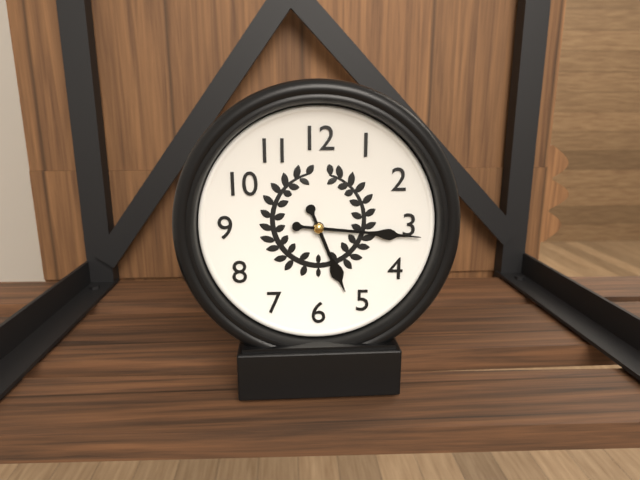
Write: 5:16
